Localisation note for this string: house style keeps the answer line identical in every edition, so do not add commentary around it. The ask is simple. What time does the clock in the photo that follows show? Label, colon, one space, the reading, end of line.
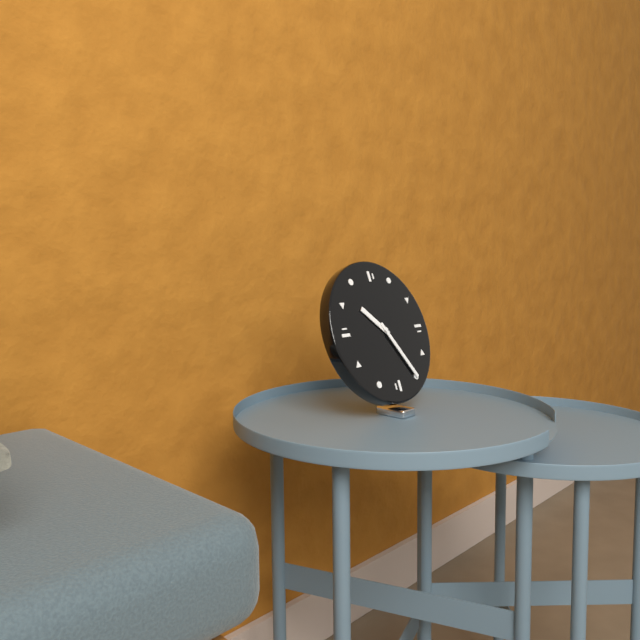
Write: 10:25
